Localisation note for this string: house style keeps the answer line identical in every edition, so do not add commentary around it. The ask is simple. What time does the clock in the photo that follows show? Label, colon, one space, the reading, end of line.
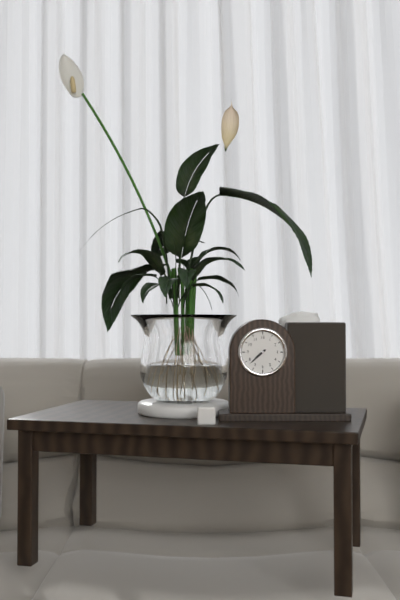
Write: 7:38
